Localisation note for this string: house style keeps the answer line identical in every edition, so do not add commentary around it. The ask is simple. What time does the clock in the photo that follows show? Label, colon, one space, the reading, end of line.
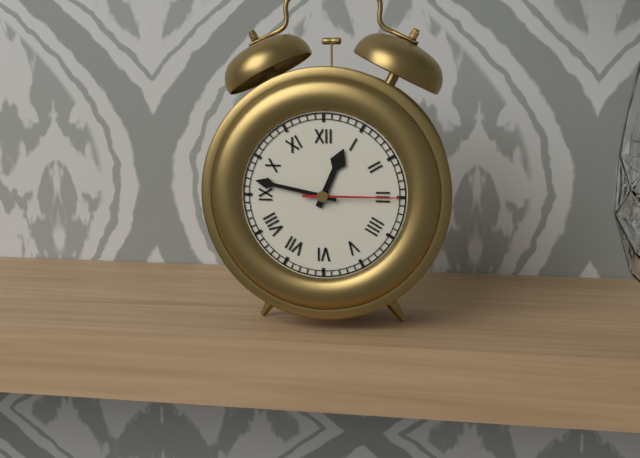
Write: 12:47:15
